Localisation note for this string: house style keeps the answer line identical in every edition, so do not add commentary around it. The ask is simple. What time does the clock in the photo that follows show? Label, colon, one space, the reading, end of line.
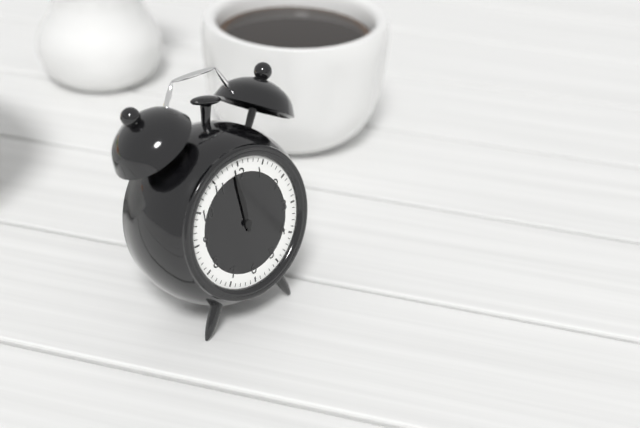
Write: 11:59
